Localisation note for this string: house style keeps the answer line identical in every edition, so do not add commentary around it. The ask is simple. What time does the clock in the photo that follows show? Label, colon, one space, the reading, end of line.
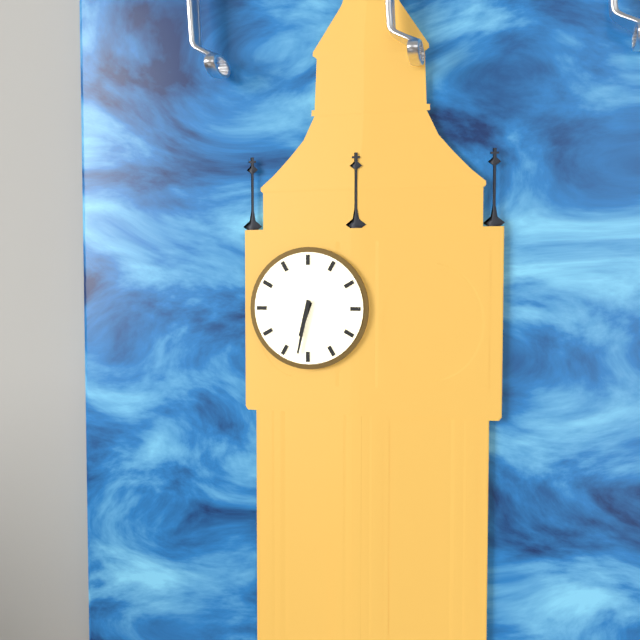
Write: 6:32
